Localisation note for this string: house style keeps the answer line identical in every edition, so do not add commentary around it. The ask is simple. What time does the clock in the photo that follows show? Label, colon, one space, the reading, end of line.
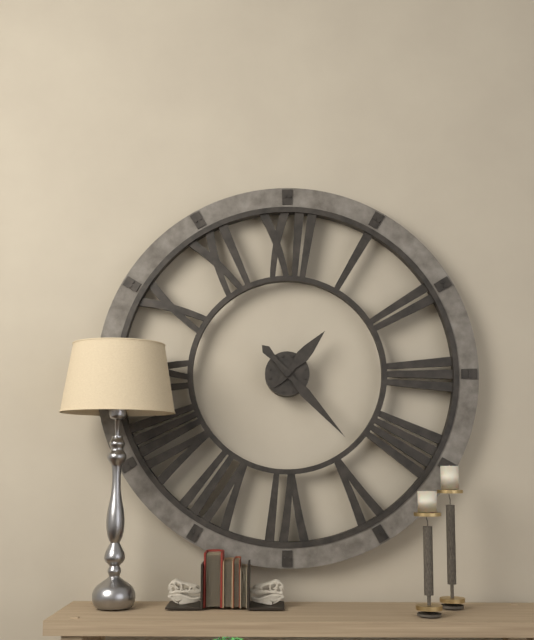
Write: 1:23
